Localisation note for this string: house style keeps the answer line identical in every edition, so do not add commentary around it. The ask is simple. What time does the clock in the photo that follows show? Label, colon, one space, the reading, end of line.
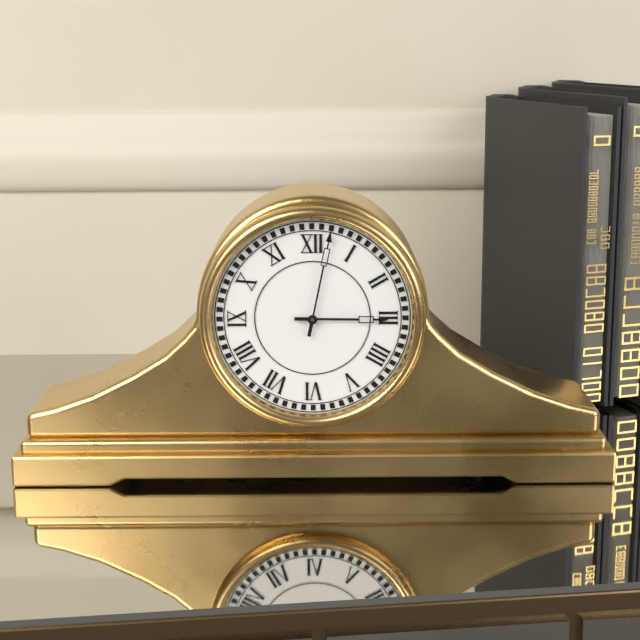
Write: 3:02
